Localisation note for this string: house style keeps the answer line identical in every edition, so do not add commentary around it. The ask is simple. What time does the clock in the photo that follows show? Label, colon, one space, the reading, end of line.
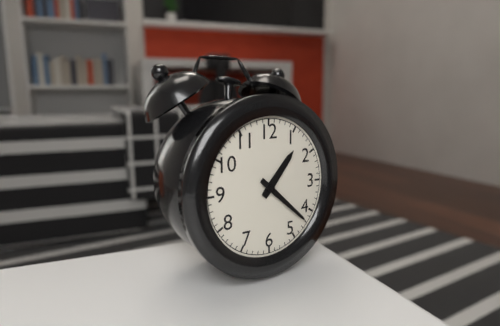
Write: 1:22
